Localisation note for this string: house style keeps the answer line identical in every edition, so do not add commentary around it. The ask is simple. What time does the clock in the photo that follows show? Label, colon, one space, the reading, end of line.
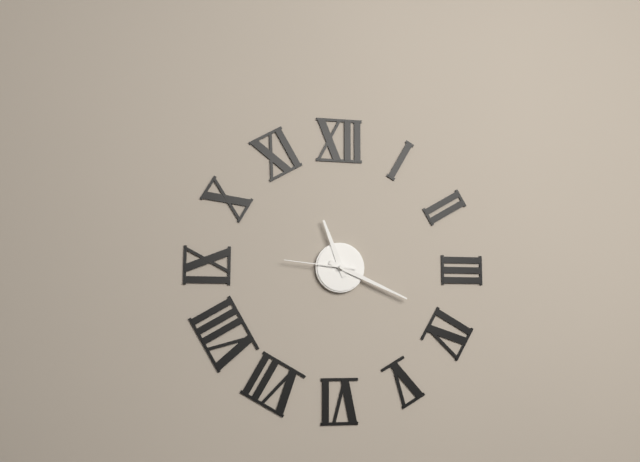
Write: 11:19:46
